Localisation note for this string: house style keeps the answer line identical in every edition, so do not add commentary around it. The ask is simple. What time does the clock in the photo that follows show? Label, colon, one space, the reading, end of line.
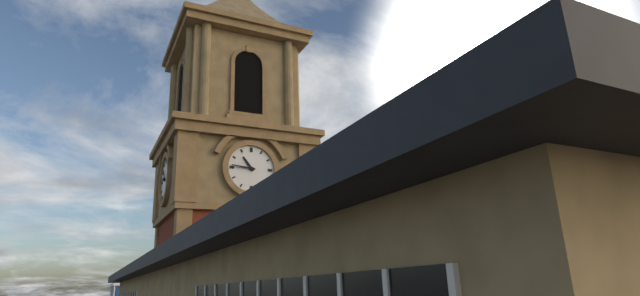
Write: 10:46
